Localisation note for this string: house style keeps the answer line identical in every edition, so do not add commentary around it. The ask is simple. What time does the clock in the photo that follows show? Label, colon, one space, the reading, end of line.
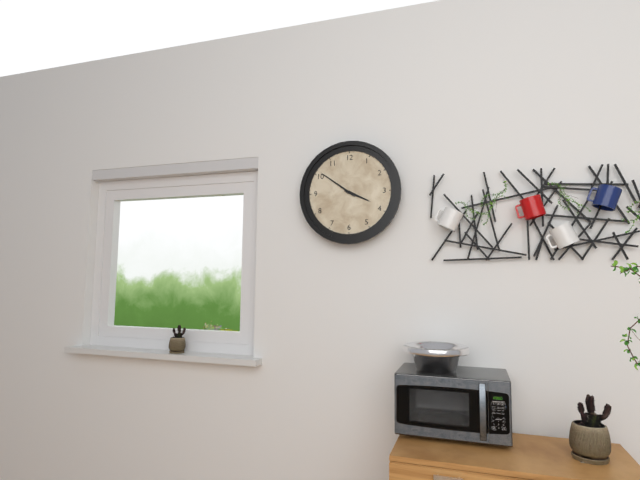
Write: 3:51
